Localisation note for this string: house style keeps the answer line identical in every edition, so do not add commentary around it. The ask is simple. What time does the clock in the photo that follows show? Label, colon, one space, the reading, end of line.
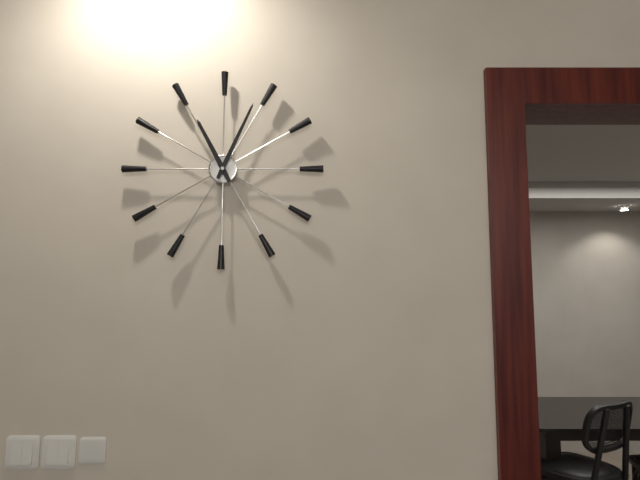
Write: 11:04
